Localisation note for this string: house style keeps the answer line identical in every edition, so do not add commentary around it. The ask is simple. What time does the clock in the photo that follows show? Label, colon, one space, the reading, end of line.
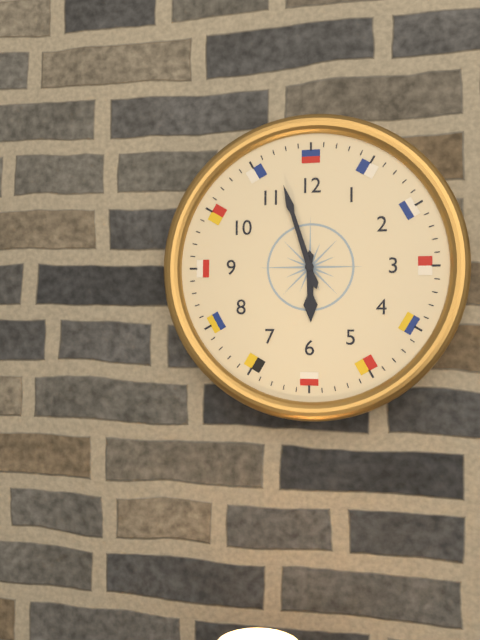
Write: 5:57
